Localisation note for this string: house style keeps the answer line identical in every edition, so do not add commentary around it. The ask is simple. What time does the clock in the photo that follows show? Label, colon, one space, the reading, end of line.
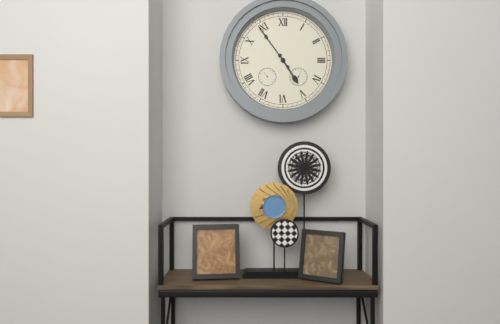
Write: 4:54
